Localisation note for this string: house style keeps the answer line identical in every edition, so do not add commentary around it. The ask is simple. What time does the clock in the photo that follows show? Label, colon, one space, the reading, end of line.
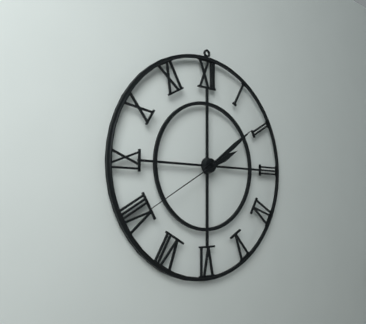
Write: 2:09:40
